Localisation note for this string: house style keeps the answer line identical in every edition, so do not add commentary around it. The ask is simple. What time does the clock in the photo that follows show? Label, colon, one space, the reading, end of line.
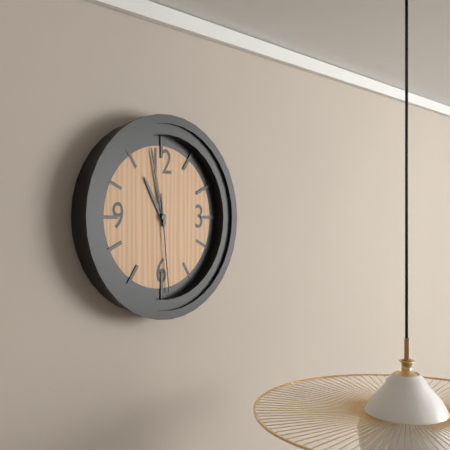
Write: 10:58:29
